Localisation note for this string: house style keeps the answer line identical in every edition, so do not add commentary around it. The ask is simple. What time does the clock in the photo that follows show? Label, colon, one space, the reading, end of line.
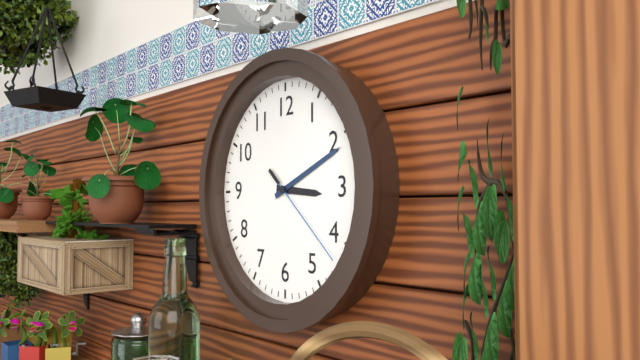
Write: 3:11:22
